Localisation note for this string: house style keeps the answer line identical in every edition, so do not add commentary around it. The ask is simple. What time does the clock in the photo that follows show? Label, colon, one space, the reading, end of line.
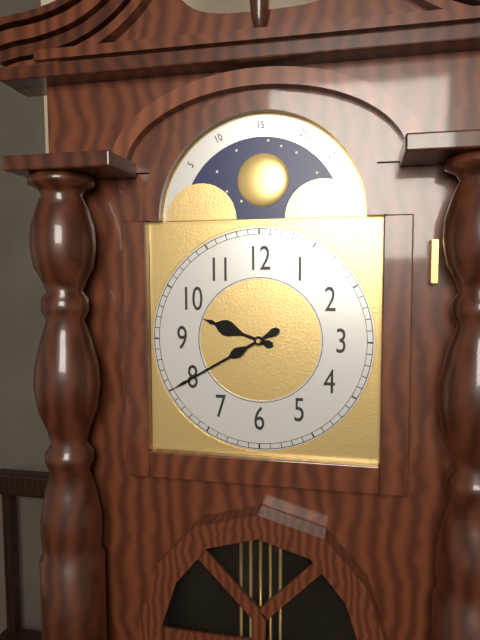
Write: 9:40
